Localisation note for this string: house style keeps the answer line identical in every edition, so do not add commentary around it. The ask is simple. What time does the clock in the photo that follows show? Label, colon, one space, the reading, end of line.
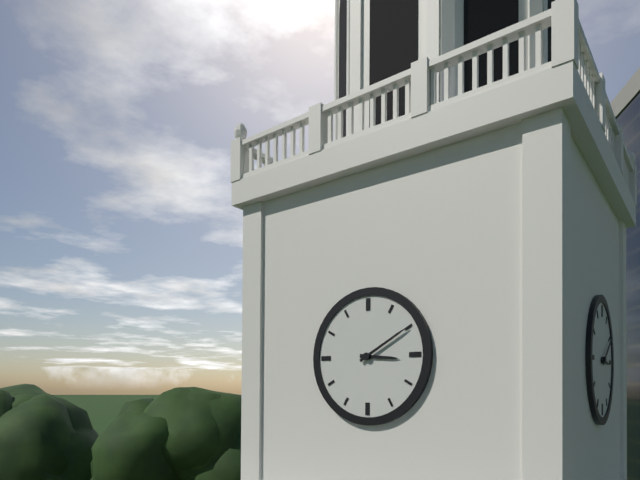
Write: 3:10
